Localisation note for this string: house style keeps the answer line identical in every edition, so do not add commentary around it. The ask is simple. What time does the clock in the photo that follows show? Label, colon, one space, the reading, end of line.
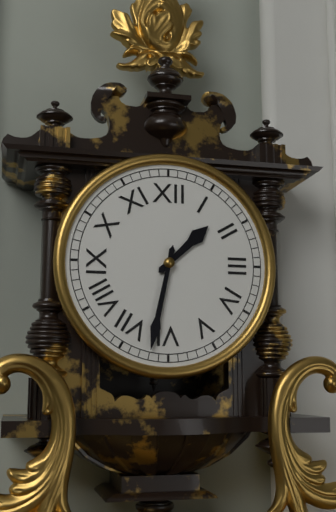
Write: 1:32
